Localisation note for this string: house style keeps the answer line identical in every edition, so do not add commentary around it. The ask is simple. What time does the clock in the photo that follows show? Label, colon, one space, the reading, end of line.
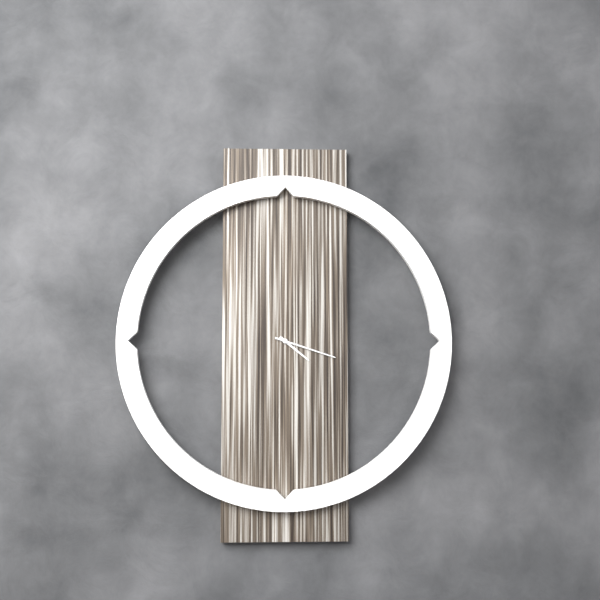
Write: 4:18
